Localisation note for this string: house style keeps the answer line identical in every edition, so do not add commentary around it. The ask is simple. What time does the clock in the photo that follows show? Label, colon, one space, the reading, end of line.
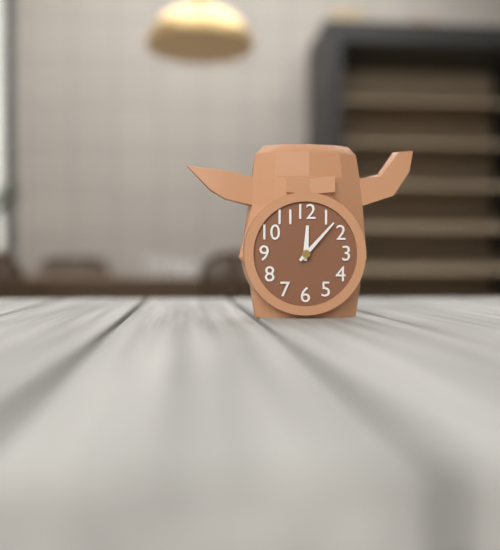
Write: 12:07
